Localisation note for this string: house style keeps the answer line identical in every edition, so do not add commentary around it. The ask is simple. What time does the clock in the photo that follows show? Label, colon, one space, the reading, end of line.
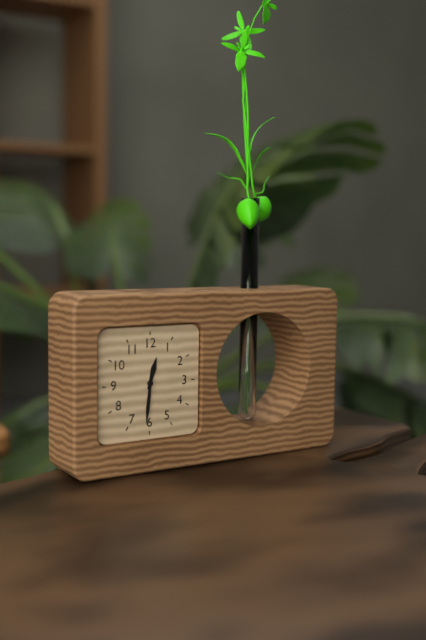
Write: 12:31
